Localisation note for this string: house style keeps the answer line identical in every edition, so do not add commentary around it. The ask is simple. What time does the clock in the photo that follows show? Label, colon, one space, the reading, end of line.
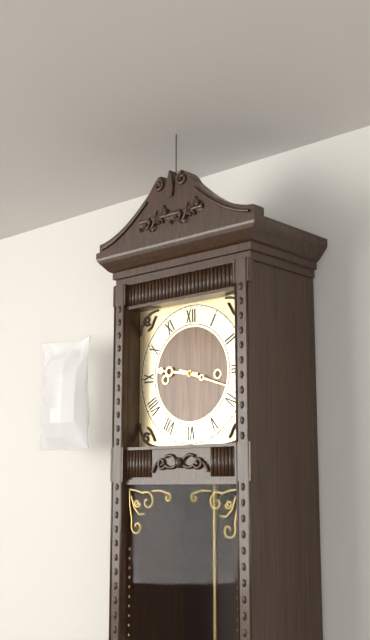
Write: 9:18
